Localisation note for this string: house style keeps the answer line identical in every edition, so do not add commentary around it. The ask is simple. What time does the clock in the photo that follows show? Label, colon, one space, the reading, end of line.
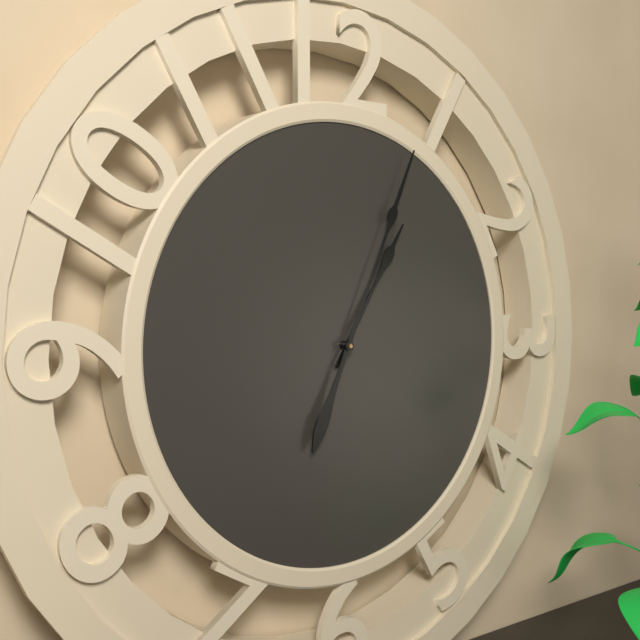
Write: 1:04
